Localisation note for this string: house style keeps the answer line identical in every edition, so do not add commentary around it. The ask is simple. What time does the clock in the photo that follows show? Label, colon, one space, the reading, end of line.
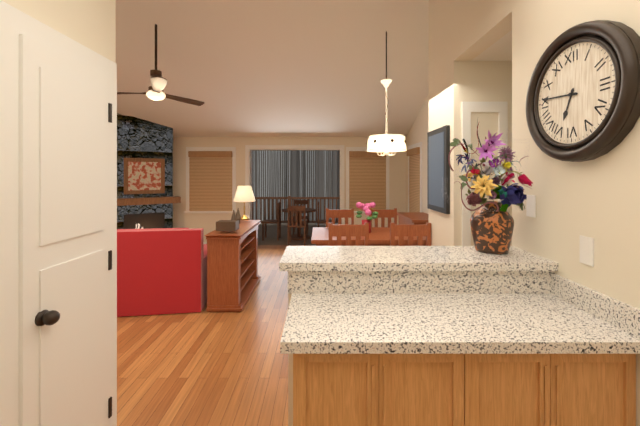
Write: 6:46
